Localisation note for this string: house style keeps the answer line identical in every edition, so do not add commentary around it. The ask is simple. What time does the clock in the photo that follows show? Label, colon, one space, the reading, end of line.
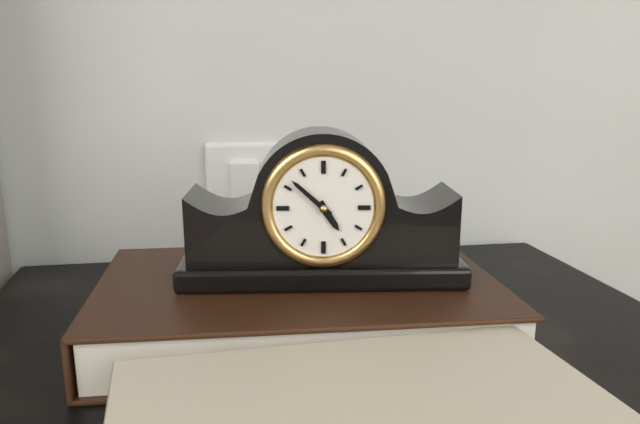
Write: 4:52
